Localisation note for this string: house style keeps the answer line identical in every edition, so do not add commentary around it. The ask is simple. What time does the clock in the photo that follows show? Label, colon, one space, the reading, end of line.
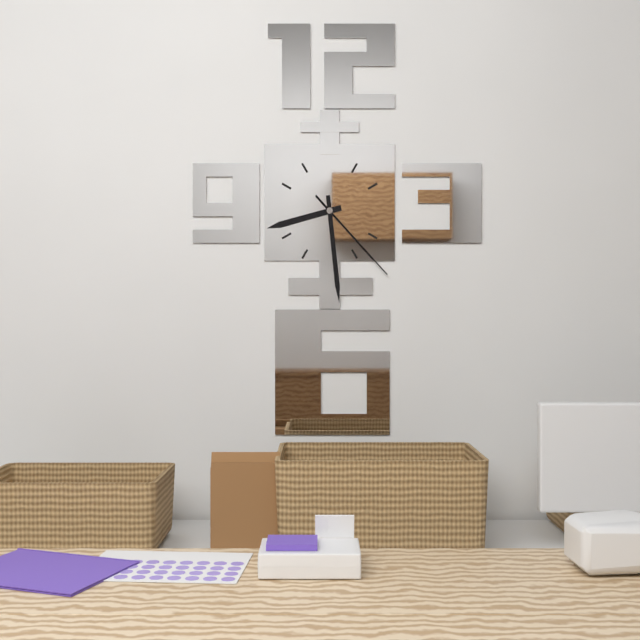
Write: 8:29:23
